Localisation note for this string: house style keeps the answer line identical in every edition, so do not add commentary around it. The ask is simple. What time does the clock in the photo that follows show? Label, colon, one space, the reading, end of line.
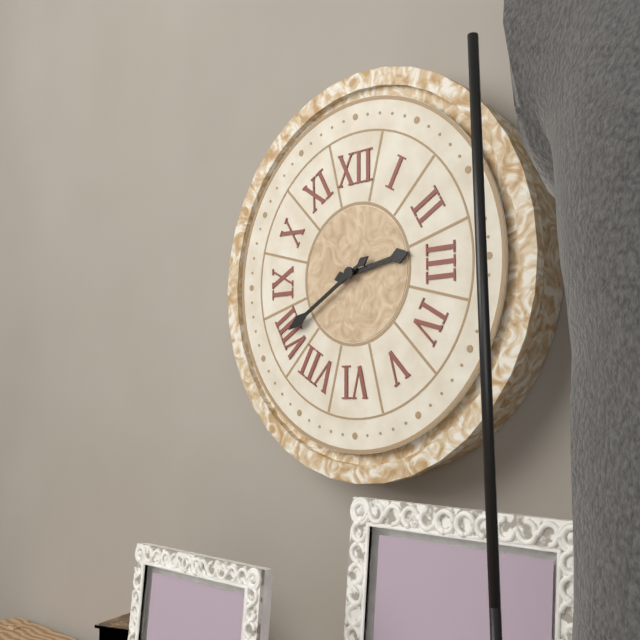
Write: 2:40
